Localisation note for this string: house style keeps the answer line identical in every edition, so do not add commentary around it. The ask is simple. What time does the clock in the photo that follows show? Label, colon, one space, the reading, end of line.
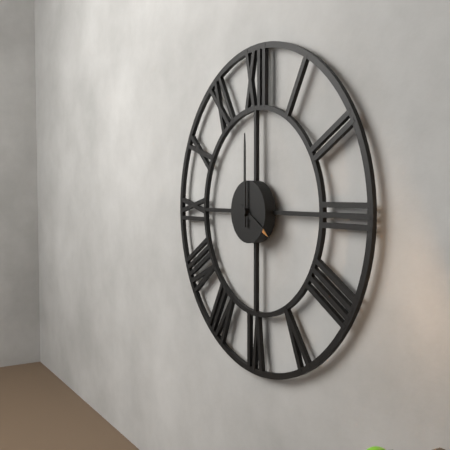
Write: 4:00
